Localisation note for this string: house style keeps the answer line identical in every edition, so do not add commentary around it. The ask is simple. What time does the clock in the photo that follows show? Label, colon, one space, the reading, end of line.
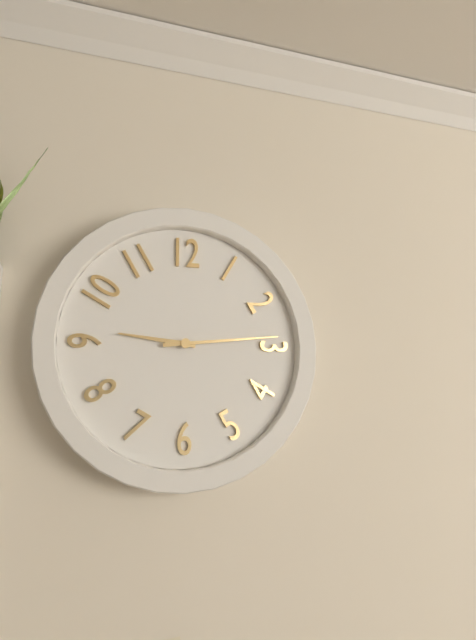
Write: 9:14
